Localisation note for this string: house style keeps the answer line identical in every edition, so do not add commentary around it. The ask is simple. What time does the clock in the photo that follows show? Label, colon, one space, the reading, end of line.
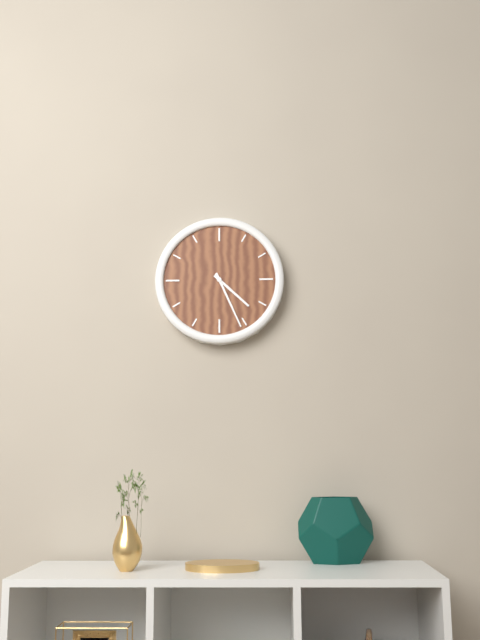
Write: 4:26
